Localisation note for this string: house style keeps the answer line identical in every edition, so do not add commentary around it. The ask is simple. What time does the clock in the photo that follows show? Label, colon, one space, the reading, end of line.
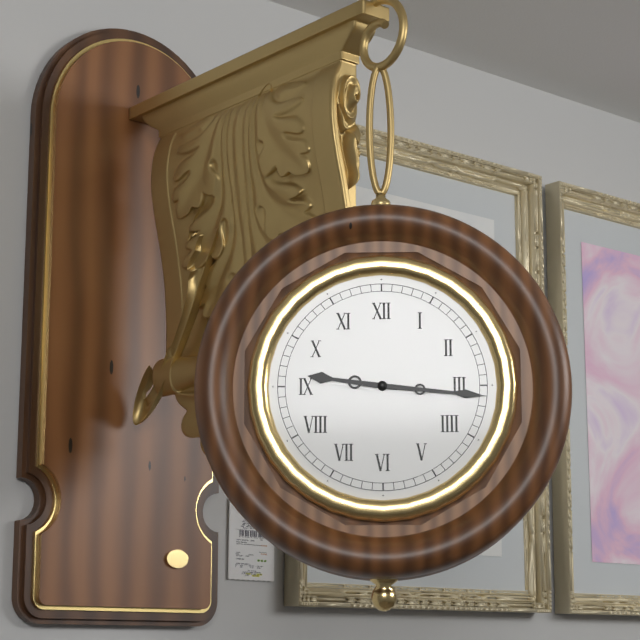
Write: 9:16
